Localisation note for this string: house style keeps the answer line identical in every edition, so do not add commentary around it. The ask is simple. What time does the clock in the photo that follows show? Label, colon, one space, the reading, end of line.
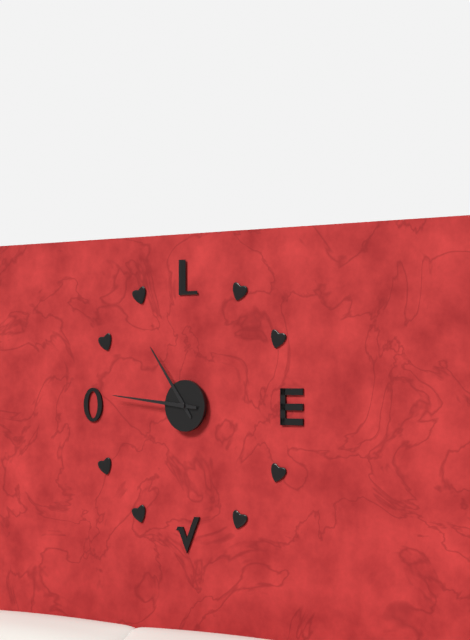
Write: 10:46
